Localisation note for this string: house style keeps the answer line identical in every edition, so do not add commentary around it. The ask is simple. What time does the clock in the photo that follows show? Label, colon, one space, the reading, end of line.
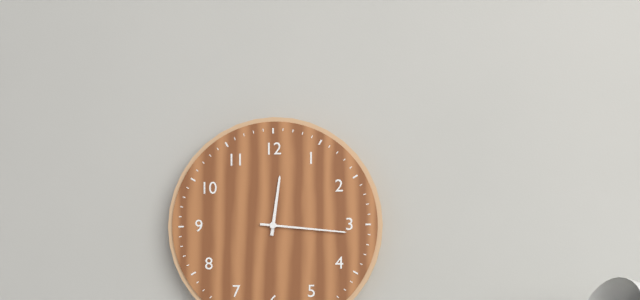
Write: 12:16
